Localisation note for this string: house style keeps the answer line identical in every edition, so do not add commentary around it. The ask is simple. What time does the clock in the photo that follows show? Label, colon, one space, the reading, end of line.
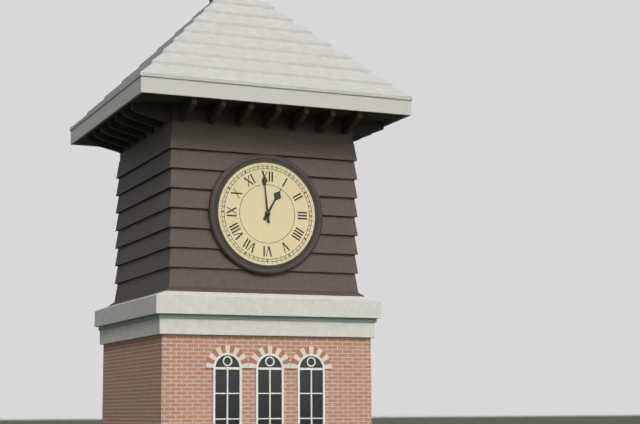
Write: 12:59
